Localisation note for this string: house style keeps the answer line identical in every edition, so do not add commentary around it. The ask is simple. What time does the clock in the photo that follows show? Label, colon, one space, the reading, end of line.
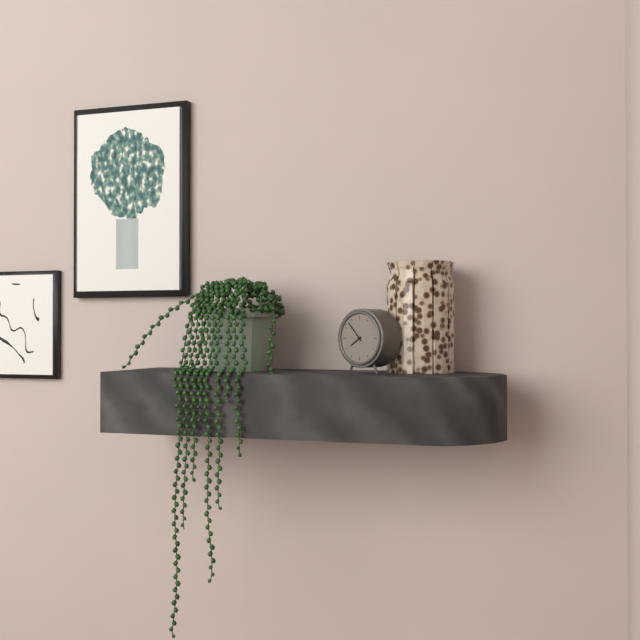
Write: 7:53
